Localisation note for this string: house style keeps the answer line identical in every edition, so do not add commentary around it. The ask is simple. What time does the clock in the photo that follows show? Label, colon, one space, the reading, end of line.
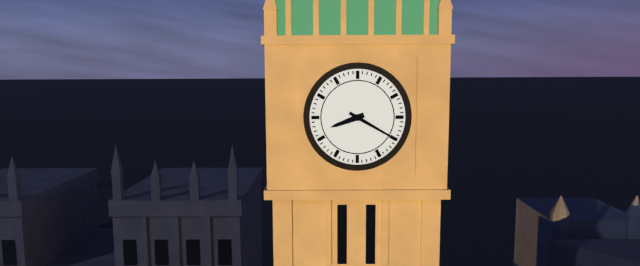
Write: 8:20
